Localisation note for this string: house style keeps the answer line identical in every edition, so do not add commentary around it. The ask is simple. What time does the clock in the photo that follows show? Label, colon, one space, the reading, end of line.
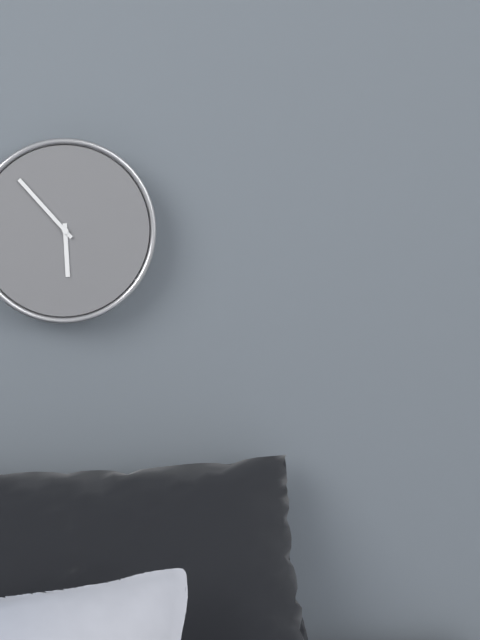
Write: 5:53
